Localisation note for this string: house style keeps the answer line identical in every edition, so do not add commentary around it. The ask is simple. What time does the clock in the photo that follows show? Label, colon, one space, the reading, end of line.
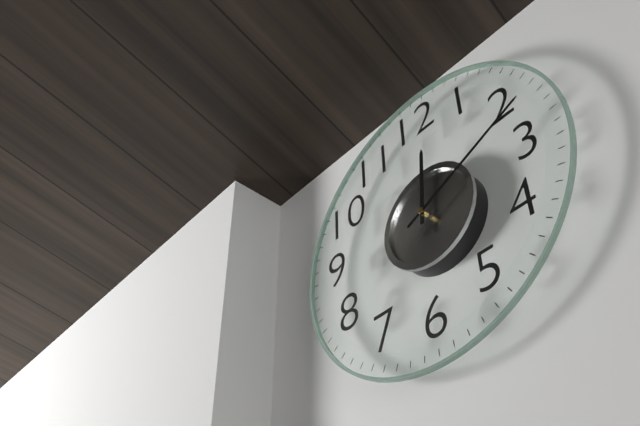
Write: 12:11
